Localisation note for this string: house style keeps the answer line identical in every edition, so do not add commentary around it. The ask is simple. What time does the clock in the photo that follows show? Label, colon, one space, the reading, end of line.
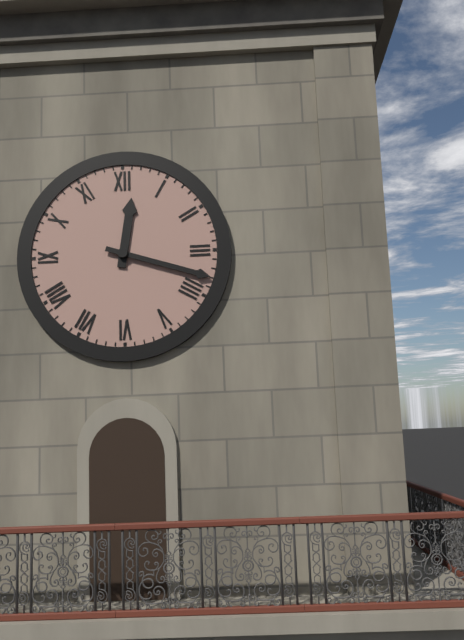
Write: 12:18
